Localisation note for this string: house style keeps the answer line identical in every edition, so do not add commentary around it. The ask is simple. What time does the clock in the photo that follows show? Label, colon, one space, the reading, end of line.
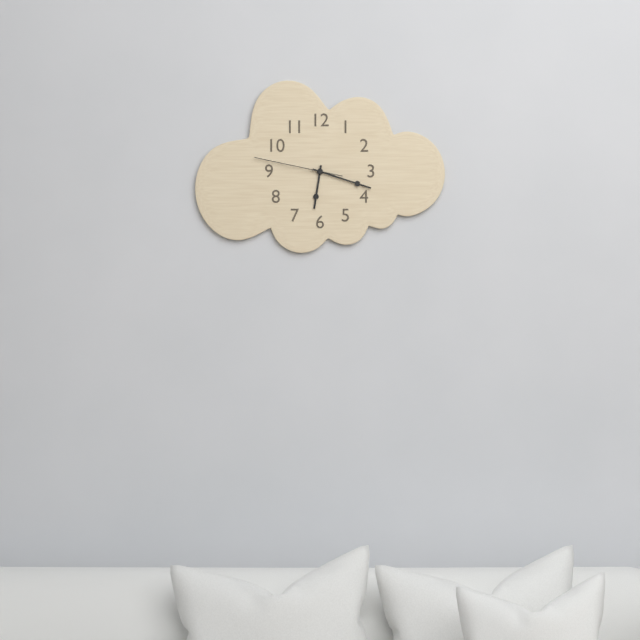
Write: 6:18:47
